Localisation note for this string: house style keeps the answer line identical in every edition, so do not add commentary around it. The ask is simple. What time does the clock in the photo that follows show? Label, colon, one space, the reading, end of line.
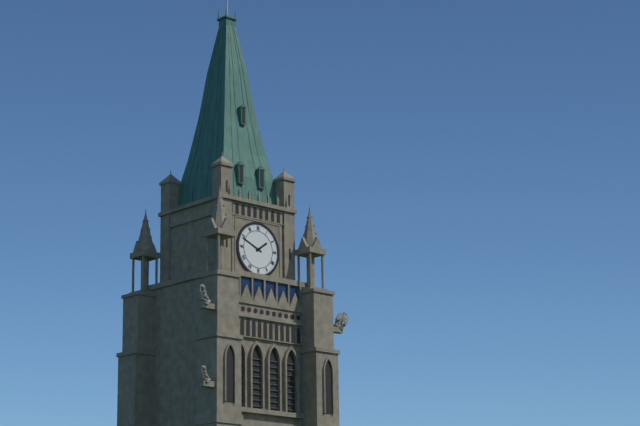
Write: 1:49
